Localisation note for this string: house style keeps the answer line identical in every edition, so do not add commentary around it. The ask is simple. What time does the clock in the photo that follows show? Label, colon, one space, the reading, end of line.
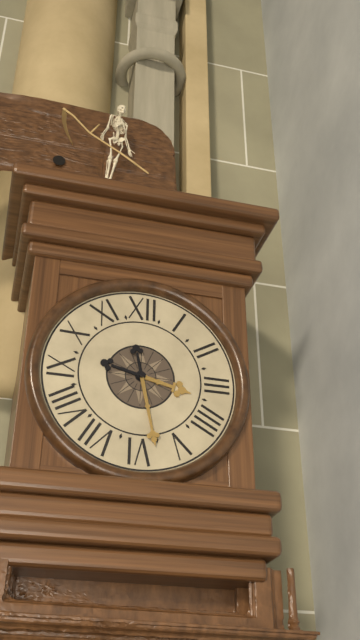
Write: 3:28
